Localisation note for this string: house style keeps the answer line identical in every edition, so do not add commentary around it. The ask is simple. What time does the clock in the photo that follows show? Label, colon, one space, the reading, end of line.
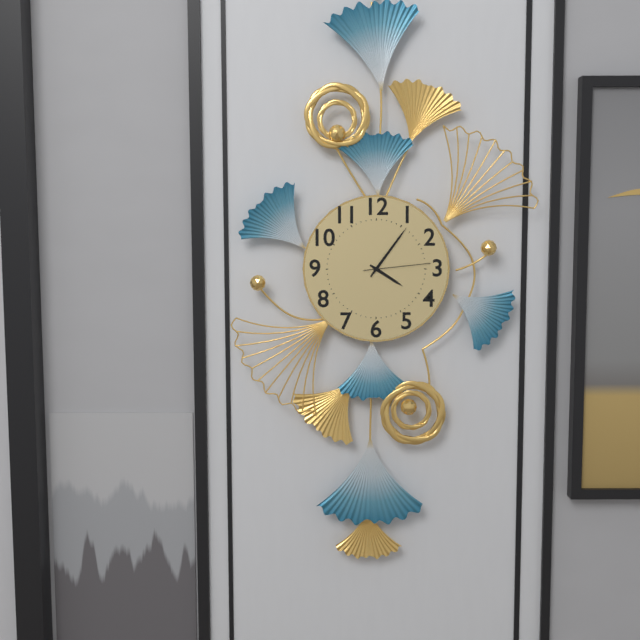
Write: 4:06:14
